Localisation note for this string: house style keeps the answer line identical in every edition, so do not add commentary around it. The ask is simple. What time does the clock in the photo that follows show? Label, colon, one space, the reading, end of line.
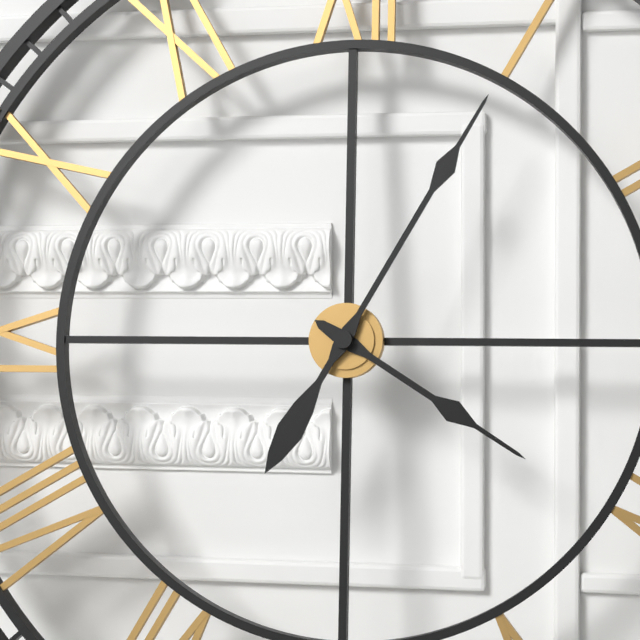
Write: 4:05
